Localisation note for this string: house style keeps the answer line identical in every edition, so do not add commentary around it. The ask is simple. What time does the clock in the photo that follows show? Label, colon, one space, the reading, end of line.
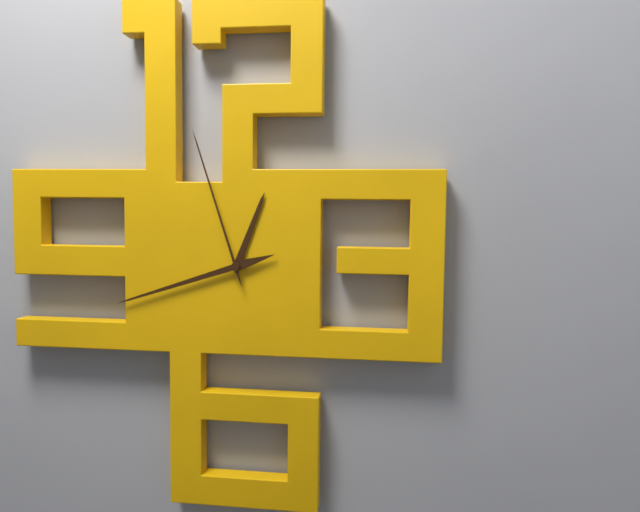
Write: 12:42:57
